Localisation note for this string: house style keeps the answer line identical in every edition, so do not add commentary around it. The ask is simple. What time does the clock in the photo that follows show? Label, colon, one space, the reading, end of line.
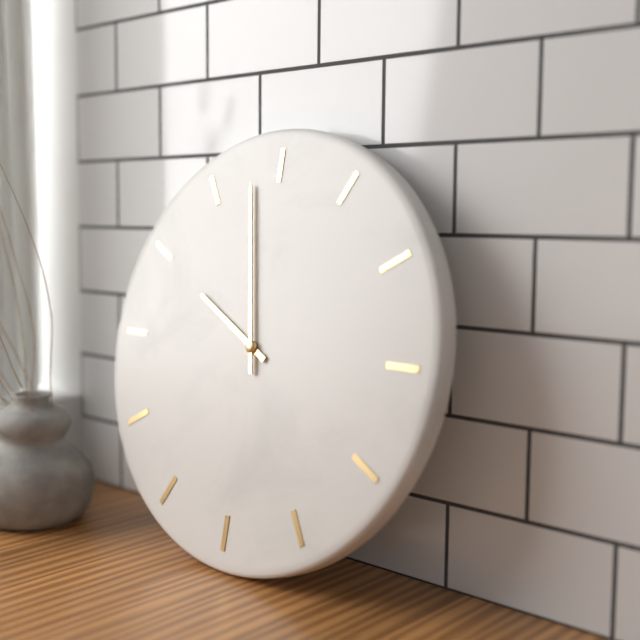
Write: 9:58
